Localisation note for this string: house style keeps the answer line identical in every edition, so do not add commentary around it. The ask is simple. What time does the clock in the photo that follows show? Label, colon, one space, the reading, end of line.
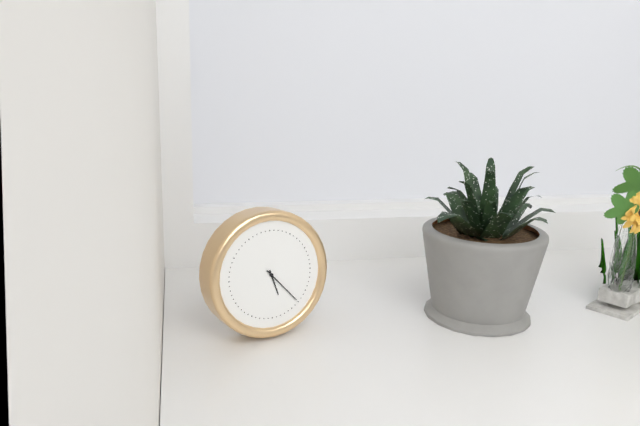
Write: 5:23
